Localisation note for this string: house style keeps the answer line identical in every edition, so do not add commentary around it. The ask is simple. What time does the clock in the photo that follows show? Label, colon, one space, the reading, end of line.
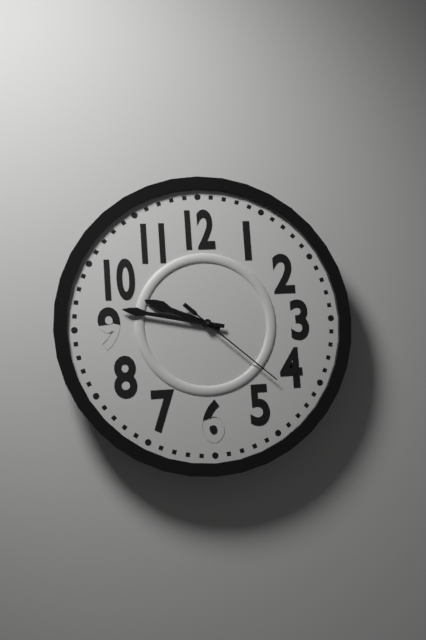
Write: 9:47:22
